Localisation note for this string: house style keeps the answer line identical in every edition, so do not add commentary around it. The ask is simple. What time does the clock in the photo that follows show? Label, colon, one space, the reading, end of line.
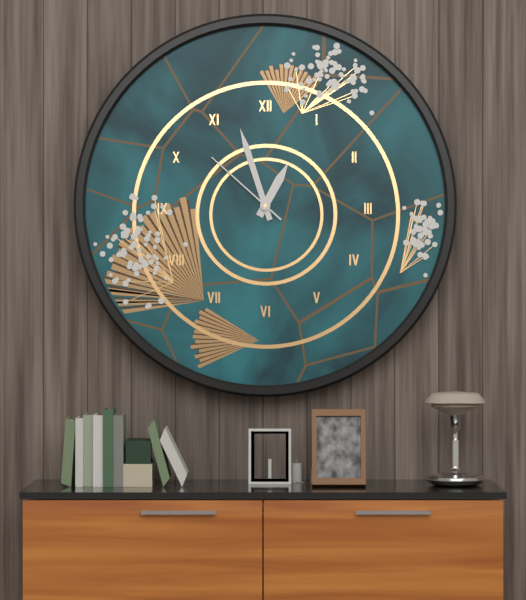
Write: 12:57:52
